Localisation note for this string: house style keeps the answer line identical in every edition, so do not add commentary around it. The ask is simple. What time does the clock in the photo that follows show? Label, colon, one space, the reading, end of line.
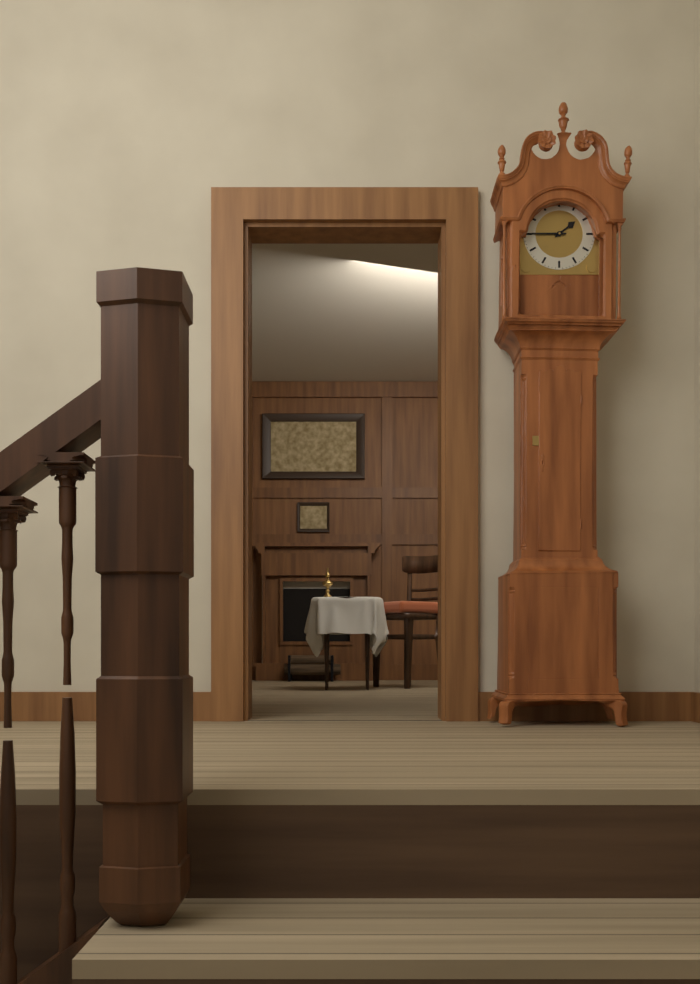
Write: 1:45
